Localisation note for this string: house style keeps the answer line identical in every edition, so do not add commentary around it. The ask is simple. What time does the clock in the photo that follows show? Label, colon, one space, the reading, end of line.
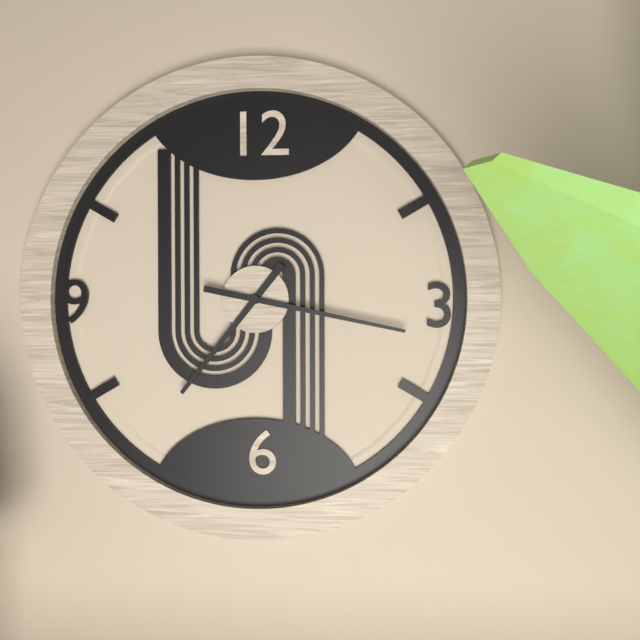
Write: 7:17
